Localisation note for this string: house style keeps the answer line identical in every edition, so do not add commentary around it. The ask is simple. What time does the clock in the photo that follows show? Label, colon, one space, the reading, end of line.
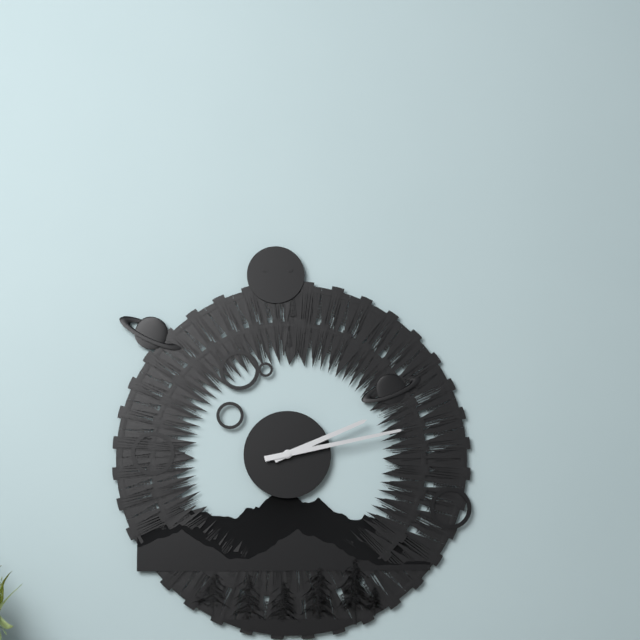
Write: 2:13
